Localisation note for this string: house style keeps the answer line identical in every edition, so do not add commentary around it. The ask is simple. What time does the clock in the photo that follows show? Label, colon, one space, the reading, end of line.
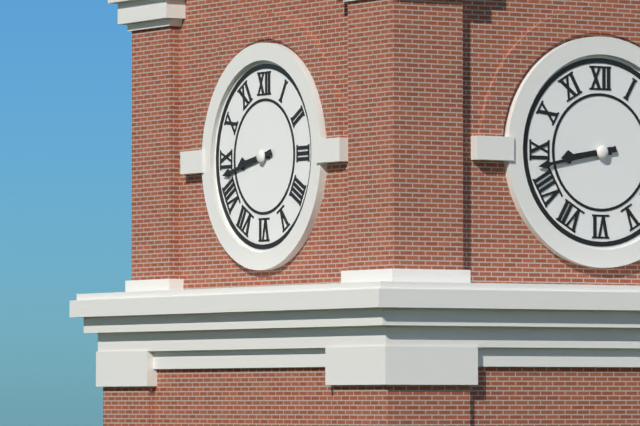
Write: 8:43
